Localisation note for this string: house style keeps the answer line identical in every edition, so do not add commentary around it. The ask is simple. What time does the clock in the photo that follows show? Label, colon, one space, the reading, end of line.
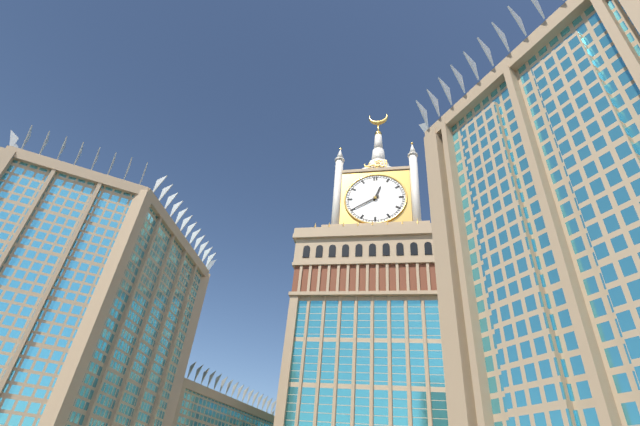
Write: 12:40
